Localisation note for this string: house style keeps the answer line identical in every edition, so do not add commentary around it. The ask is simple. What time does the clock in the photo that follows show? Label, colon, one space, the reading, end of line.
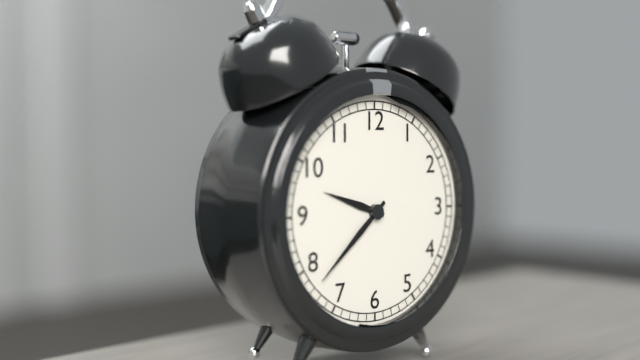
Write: 9:38
